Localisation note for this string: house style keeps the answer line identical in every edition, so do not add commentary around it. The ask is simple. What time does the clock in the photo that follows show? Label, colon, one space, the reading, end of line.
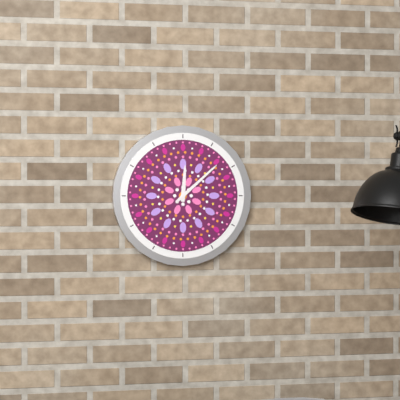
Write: 12:08
